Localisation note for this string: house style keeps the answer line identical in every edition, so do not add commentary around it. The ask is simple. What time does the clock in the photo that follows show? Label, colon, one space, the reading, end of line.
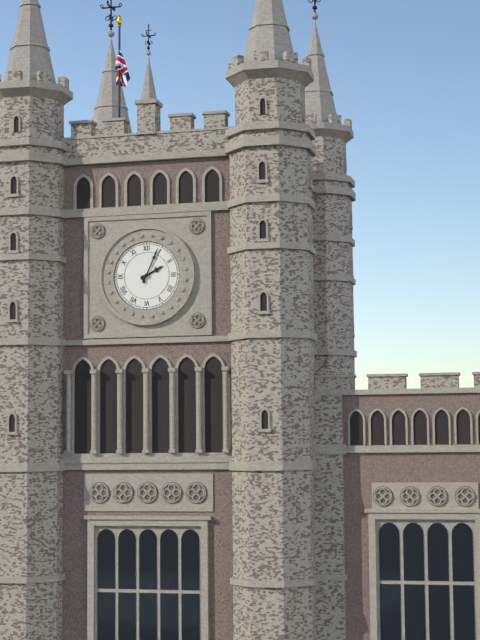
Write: 2:04
